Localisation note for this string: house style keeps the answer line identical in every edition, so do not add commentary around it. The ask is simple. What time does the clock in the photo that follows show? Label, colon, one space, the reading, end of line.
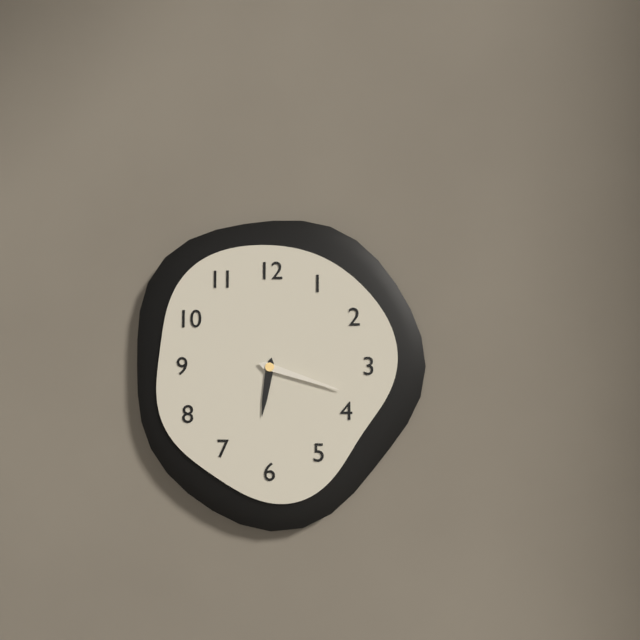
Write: 6:18
